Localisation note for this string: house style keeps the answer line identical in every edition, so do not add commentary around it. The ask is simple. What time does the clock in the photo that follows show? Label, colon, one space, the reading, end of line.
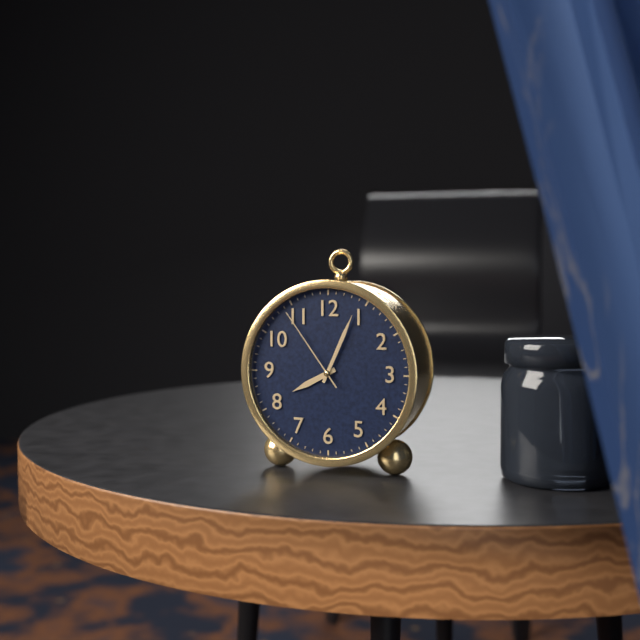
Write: 8:04:54
